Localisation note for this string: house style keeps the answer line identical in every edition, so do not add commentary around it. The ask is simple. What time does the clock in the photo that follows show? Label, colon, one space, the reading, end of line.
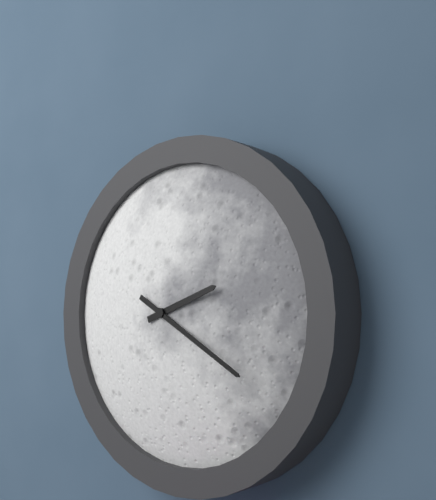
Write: 2:20
